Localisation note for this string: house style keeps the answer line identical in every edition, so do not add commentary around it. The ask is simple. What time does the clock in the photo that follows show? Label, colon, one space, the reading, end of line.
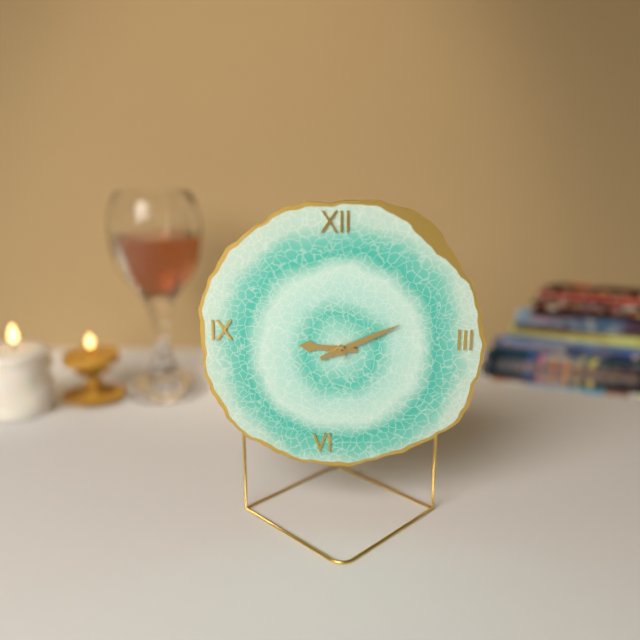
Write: 9:11
